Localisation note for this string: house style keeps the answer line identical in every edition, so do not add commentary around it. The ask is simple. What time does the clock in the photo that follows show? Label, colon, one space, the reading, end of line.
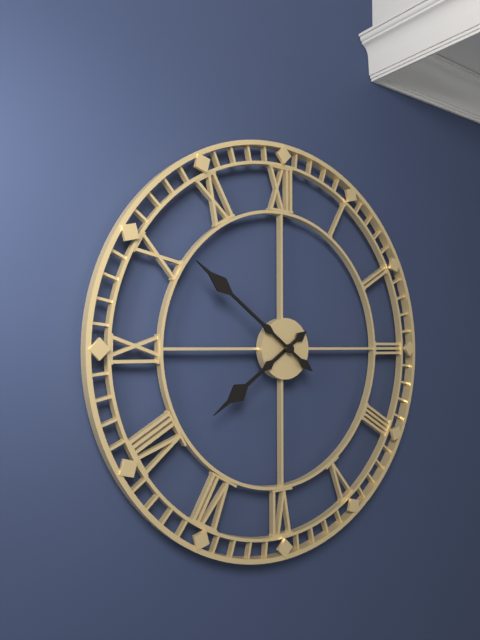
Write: 7:51
